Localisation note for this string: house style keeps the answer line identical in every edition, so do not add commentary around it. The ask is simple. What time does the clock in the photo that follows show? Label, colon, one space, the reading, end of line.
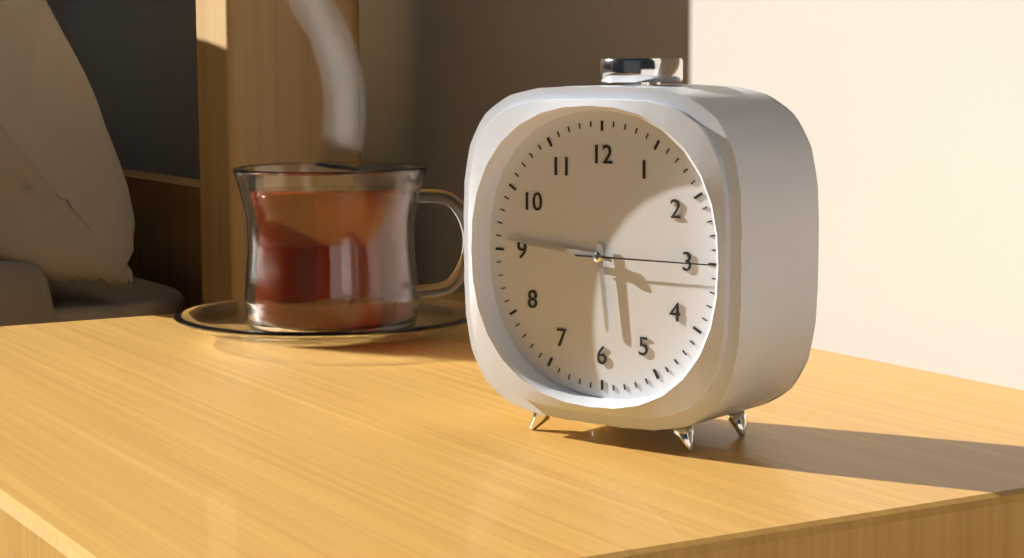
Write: 5:46:15
